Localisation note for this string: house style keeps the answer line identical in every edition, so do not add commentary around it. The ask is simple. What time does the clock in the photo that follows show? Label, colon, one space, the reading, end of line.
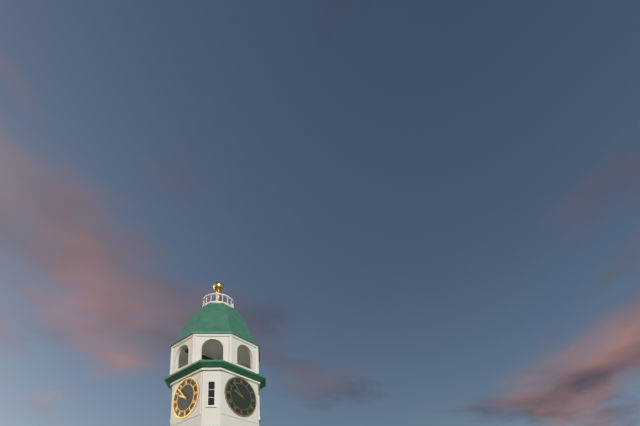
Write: 9:53
